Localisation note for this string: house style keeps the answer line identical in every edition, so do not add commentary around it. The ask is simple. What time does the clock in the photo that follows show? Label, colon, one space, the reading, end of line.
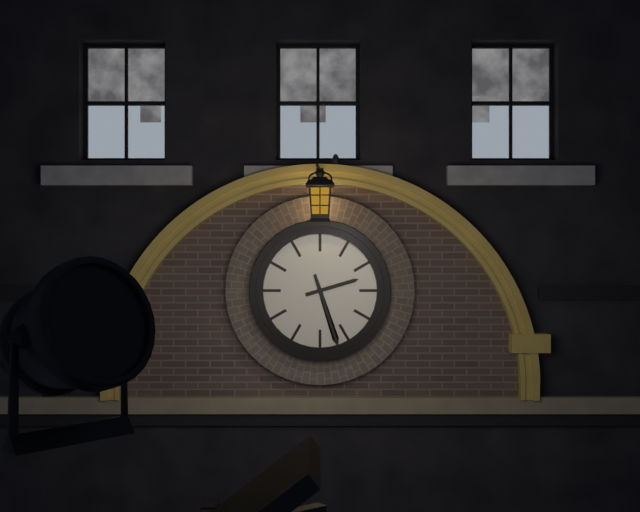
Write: 2:27
